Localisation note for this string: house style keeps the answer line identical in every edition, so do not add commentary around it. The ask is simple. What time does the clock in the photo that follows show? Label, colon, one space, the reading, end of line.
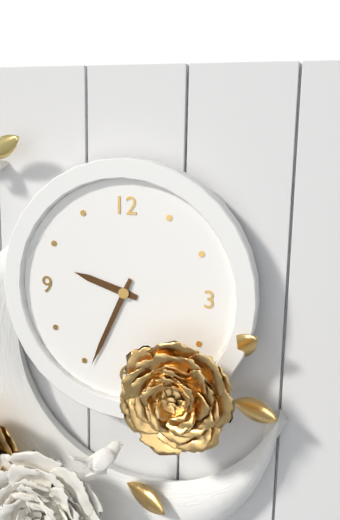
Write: 9:34
